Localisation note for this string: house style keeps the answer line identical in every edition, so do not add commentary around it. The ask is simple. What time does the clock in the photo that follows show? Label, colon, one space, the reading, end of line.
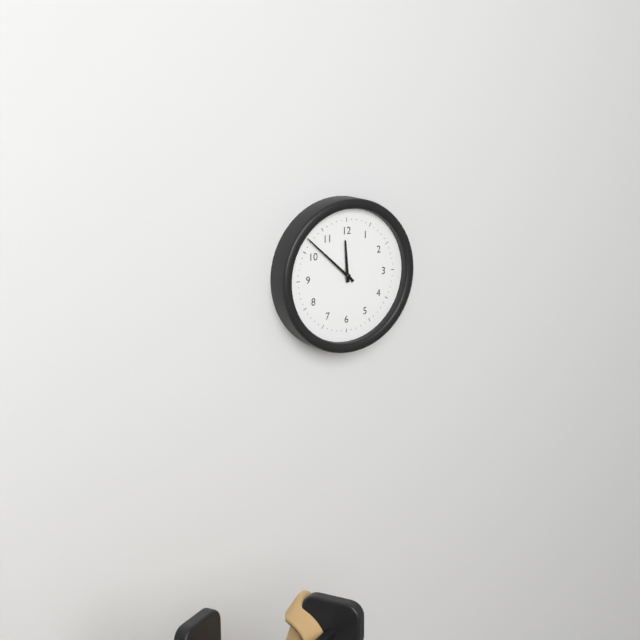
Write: 11:52
